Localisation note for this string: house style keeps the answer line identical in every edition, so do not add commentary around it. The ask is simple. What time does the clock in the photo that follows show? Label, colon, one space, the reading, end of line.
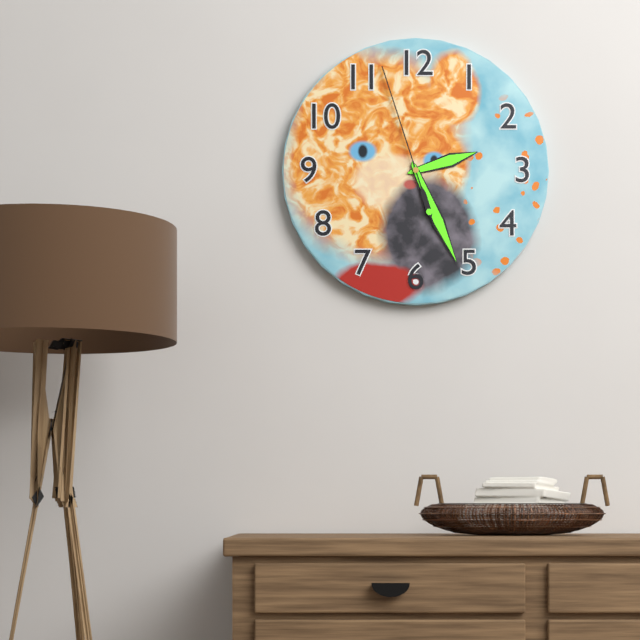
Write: 2:26:57
